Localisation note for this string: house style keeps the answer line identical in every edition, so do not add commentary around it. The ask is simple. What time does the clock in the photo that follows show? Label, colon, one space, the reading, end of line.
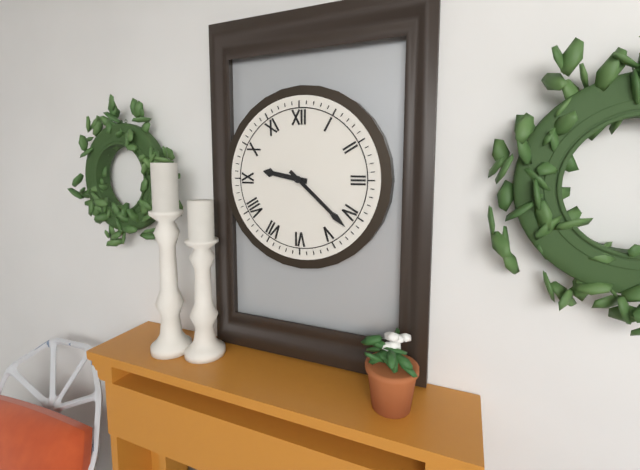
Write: 9:22
